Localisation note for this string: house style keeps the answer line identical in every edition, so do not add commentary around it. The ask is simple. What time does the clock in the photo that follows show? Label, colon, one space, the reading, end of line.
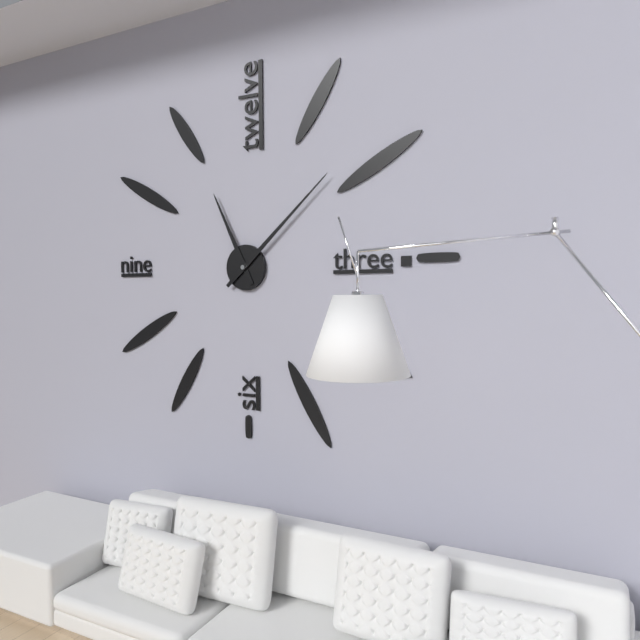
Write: 11:08
